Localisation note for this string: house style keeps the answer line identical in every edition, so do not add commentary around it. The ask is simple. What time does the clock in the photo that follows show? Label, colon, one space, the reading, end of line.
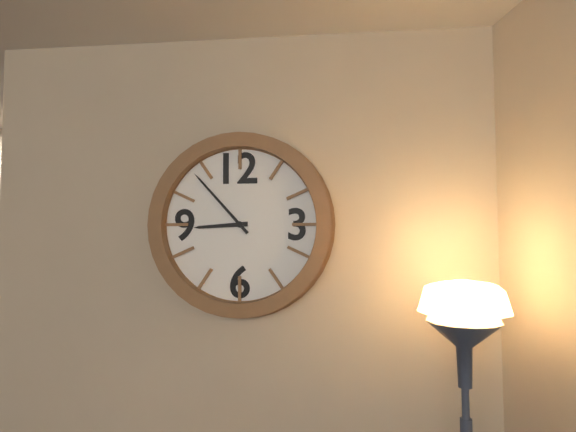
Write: 8:53
